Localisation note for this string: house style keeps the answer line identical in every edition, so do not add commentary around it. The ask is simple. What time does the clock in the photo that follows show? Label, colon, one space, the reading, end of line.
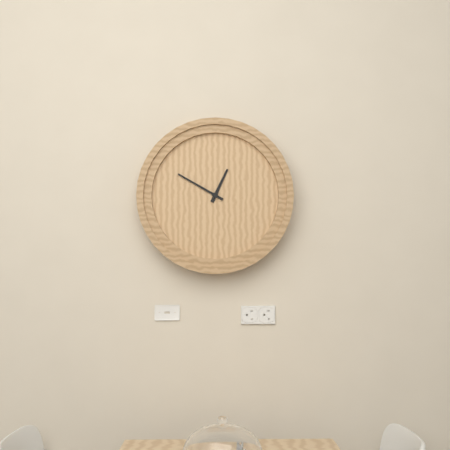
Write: 12:50
